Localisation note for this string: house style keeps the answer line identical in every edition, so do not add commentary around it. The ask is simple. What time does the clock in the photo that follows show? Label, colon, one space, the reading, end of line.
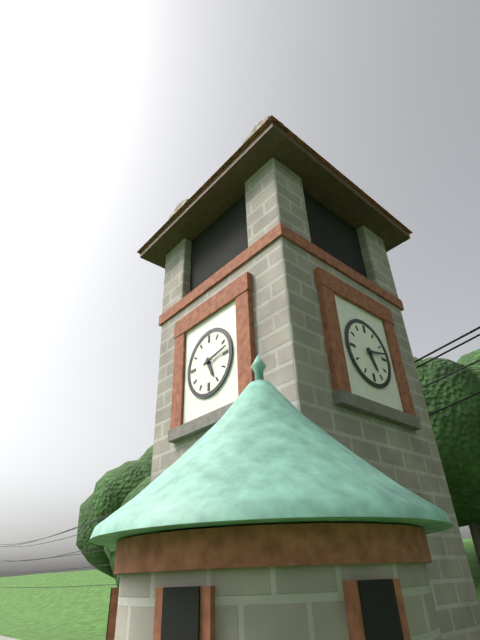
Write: 5:13
